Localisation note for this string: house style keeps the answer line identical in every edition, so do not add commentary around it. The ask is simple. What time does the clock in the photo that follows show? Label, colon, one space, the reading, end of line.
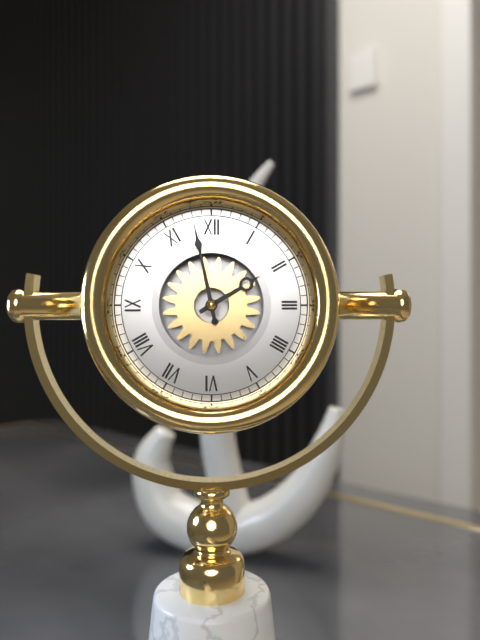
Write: 1:58
